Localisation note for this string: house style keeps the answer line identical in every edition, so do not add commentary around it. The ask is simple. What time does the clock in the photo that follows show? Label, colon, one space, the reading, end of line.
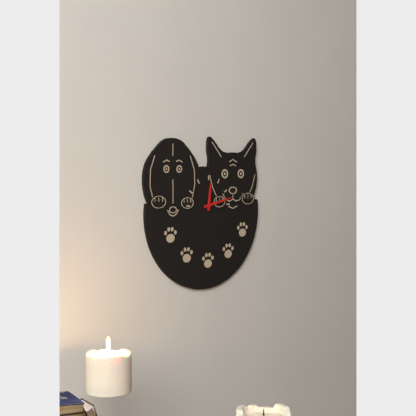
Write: 12:13
